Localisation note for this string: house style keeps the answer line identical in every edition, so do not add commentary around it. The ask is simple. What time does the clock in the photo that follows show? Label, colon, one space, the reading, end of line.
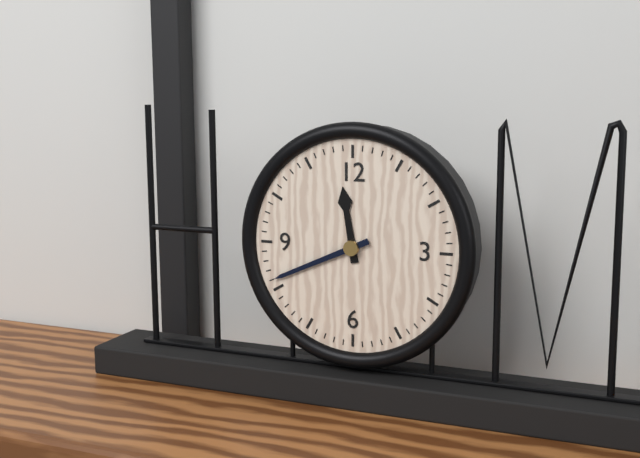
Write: 11:41
